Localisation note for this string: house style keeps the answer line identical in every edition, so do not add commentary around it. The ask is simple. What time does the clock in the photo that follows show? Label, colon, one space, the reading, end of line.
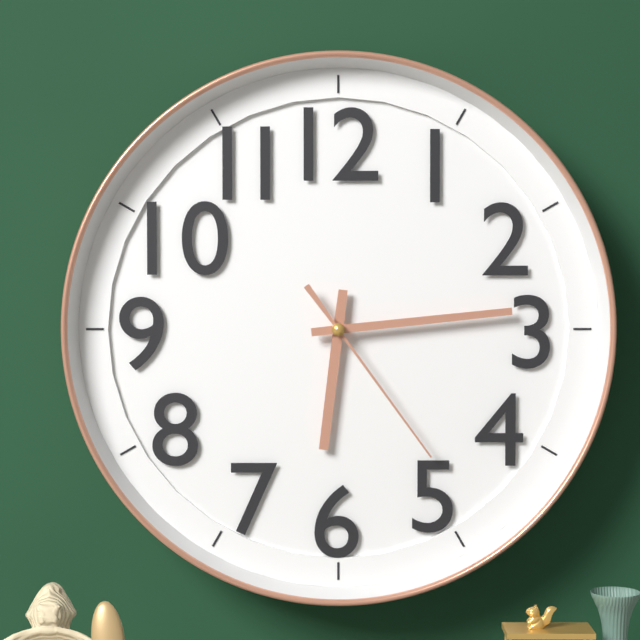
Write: 6:14:24
